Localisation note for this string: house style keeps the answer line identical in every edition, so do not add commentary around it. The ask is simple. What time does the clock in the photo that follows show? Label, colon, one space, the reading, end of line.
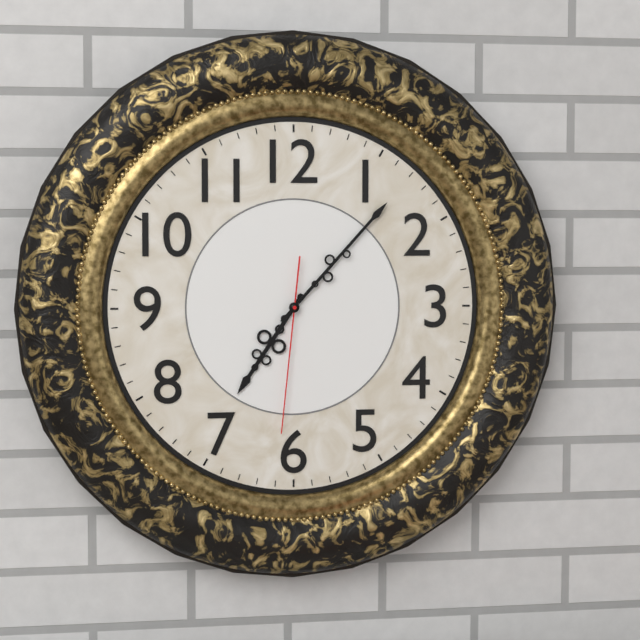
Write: 7:07:31
